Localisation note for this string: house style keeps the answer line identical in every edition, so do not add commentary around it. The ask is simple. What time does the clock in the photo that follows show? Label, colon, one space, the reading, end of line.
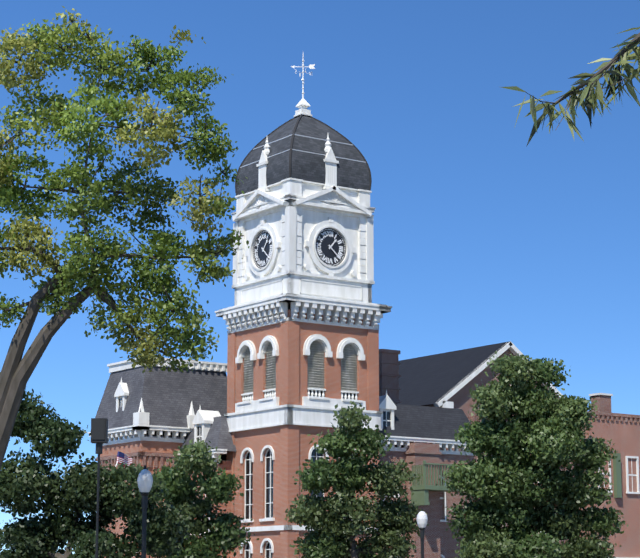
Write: 1:22
